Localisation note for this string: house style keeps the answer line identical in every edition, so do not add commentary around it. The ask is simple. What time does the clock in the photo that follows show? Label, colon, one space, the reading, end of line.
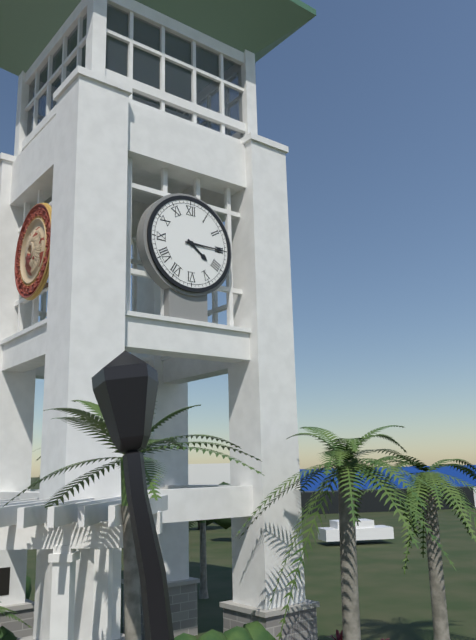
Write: 4:15
